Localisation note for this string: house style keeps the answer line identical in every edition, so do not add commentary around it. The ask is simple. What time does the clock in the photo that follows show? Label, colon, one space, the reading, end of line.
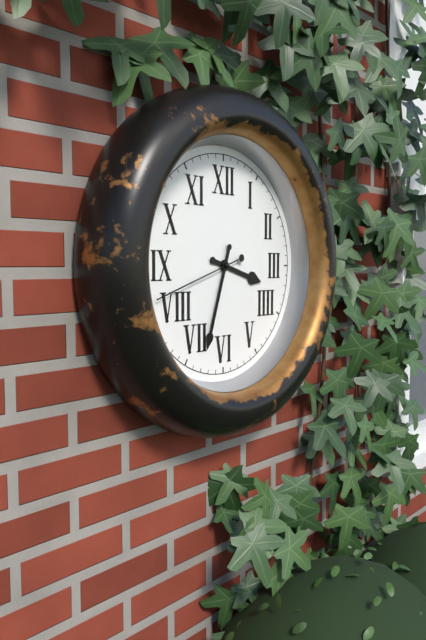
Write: 3:33:42
